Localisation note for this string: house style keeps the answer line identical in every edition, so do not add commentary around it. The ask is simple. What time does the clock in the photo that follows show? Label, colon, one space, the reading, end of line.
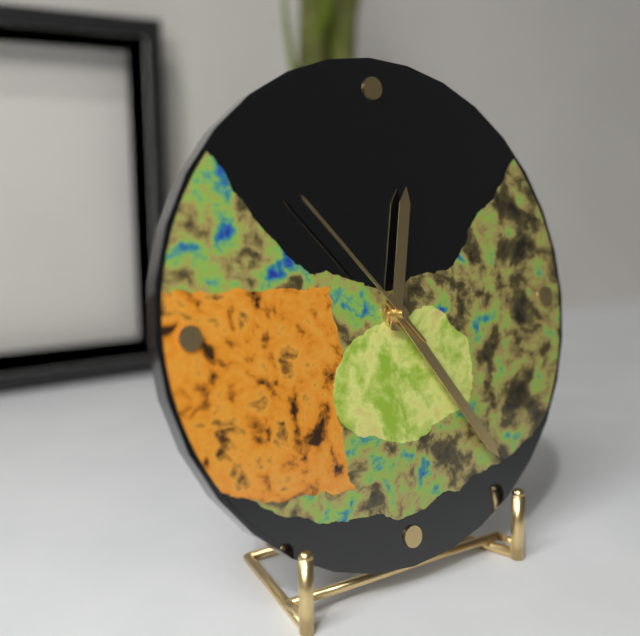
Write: 12:24:53
